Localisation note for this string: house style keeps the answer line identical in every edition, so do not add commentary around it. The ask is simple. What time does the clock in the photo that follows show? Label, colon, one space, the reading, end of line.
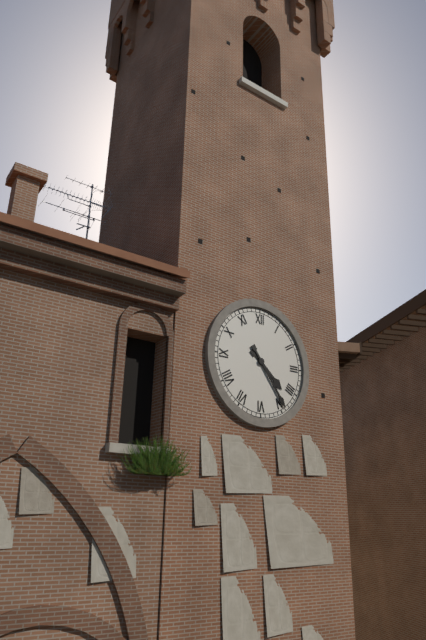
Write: 4:24
